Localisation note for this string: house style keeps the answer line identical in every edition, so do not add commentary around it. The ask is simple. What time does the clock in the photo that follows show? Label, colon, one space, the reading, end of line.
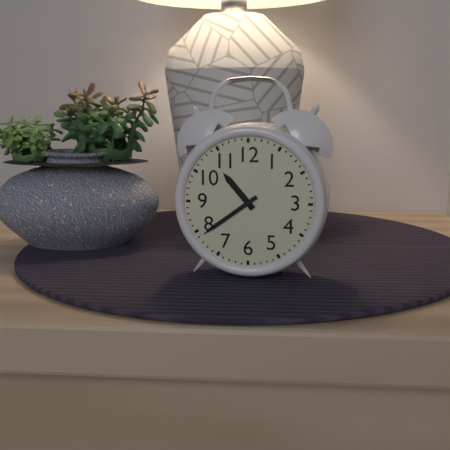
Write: 10:39
